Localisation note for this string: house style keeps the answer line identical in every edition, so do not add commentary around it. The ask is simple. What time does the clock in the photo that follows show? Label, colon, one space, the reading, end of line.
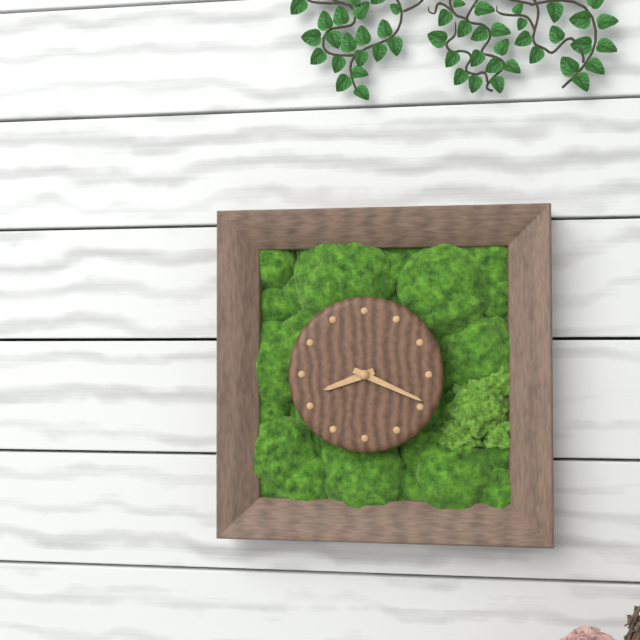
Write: 8:19
